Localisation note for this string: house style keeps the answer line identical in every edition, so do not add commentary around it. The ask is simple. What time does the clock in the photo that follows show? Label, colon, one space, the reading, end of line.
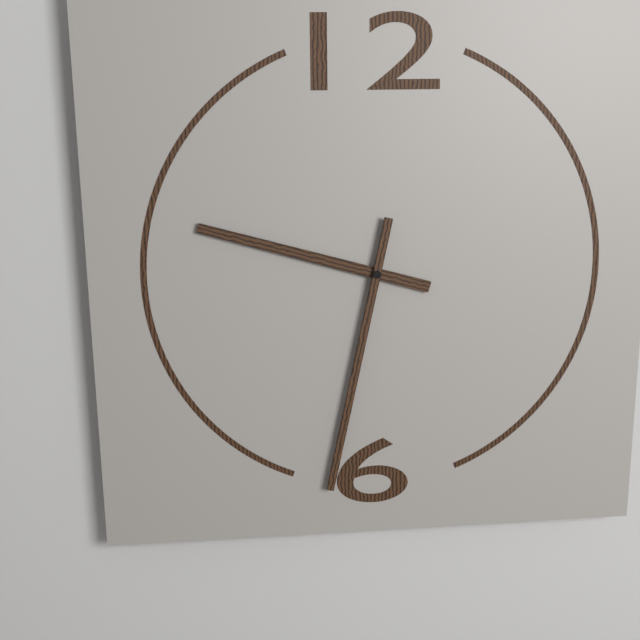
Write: 9:32
